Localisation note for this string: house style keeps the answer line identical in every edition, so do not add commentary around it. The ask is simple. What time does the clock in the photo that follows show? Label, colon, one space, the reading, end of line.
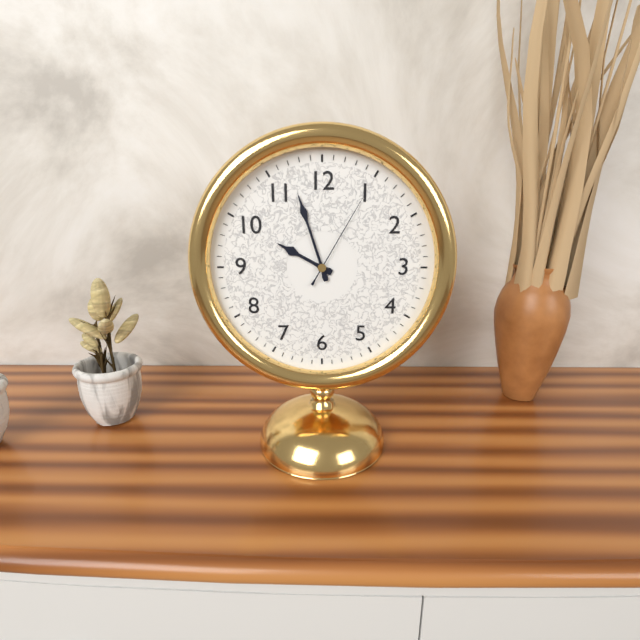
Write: 9:57:05
